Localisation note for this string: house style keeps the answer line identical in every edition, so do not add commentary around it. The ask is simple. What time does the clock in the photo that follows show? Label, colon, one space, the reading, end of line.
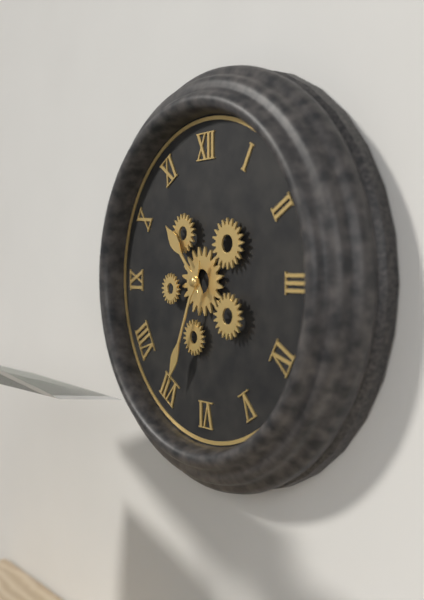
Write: 10:34
